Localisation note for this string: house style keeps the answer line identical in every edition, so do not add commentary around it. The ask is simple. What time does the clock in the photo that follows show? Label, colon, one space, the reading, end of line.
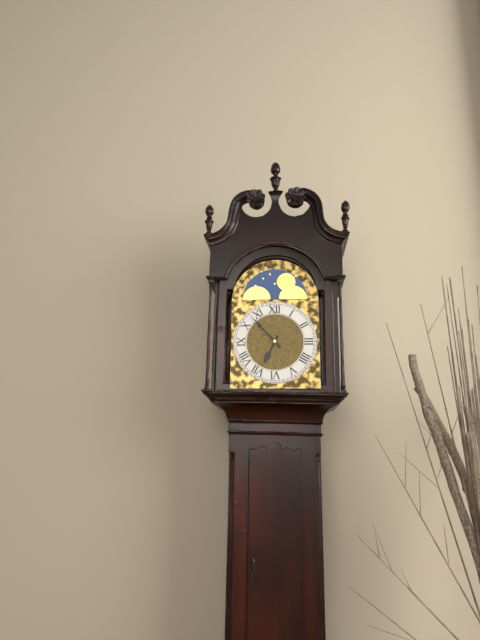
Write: 6:53
